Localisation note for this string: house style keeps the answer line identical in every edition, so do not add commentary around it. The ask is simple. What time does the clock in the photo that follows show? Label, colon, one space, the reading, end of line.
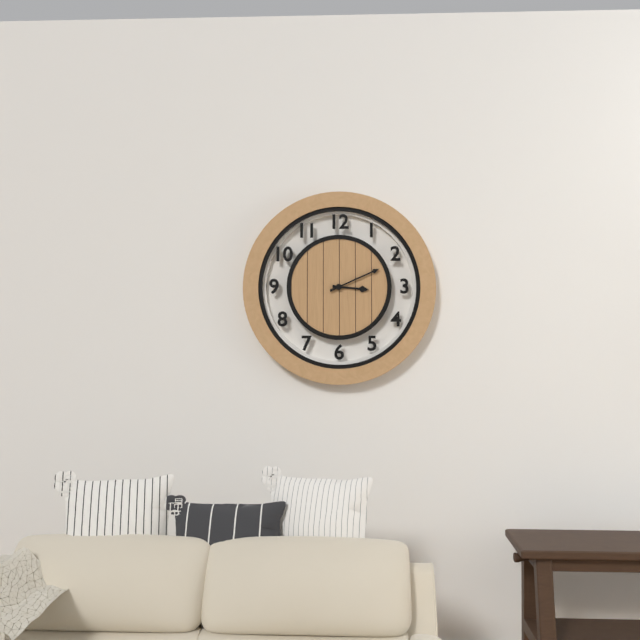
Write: 3:11
